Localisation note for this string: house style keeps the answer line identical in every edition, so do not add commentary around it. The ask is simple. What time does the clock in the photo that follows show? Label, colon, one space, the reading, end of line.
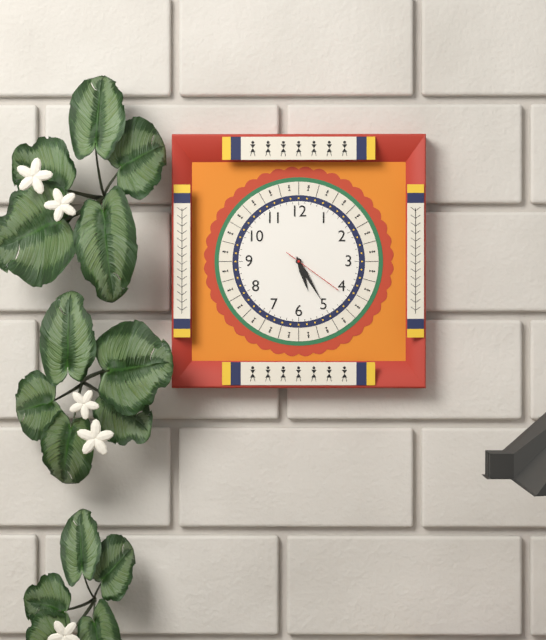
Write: 5:25:21
